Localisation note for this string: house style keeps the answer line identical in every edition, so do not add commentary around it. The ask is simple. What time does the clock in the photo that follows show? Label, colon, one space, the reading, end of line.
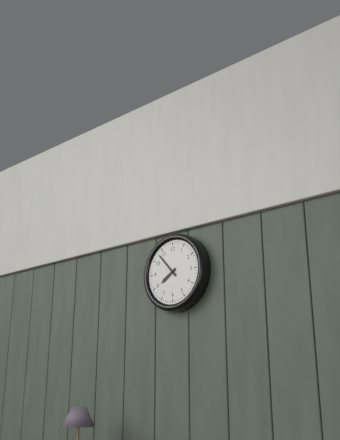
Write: 7:53
